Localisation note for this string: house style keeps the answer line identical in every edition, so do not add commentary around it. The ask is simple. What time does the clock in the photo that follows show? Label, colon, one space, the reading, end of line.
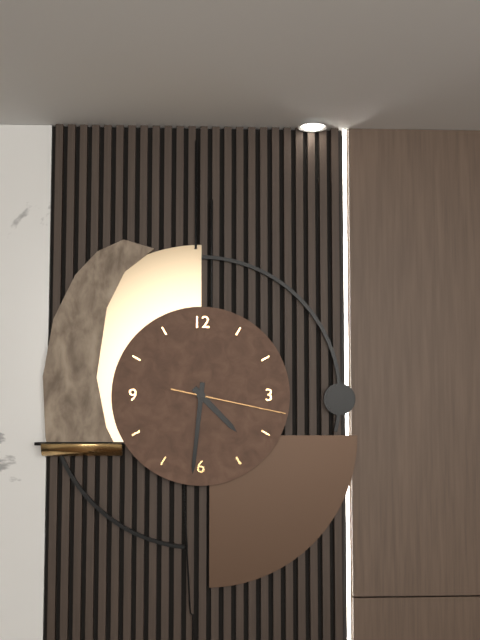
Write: 4:31:17
